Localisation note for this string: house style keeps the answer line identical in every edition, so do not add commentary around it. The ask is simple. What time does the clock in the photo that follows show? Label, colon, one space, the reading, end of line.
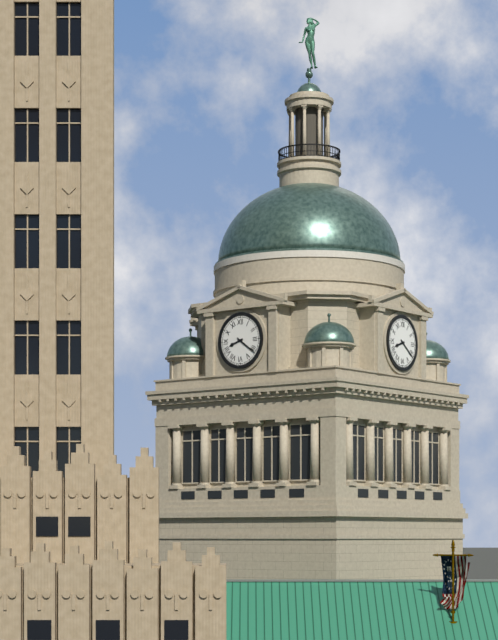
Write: 8:21
